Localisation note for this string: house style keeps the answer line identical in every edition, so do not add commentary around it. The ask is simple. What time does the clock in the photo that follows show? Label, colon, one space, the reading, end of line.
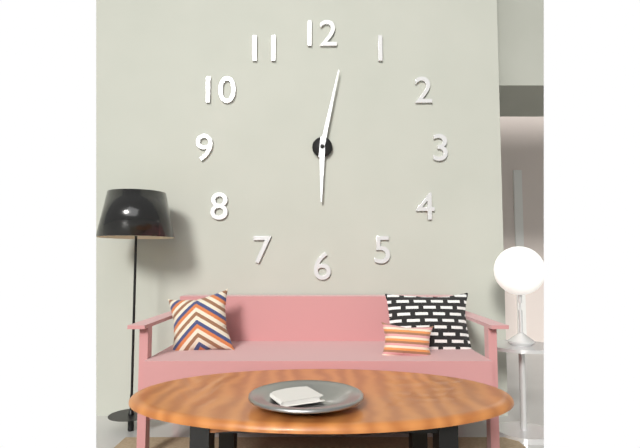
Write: 6:02
